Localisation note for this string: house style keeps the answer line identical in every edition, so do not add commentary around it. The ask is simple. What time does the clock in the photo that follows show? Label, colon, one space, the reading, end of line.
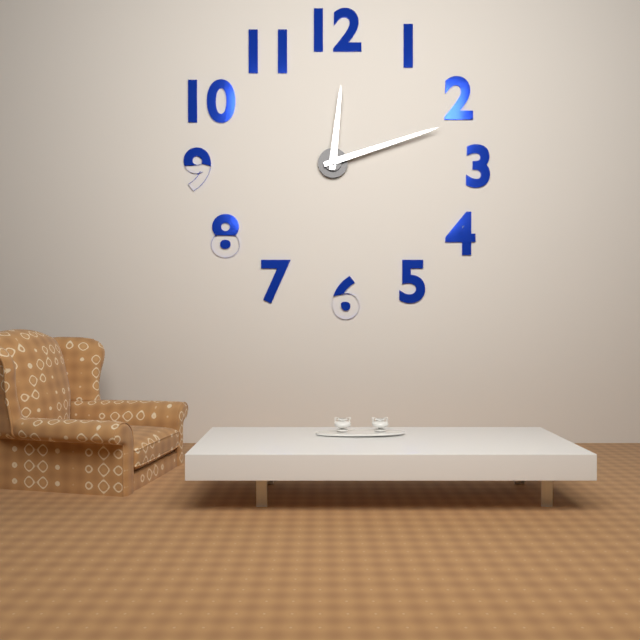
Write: 12:12
